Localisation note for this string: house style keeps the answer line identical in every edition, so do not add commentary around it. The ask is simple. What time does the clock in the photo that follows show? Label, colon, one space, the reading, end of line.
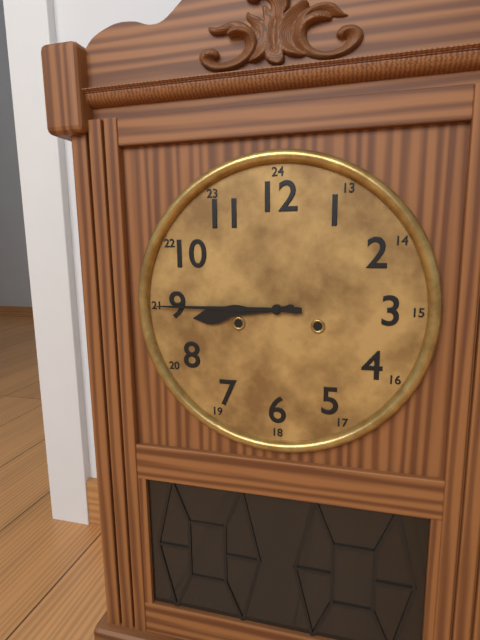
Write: 8:45
